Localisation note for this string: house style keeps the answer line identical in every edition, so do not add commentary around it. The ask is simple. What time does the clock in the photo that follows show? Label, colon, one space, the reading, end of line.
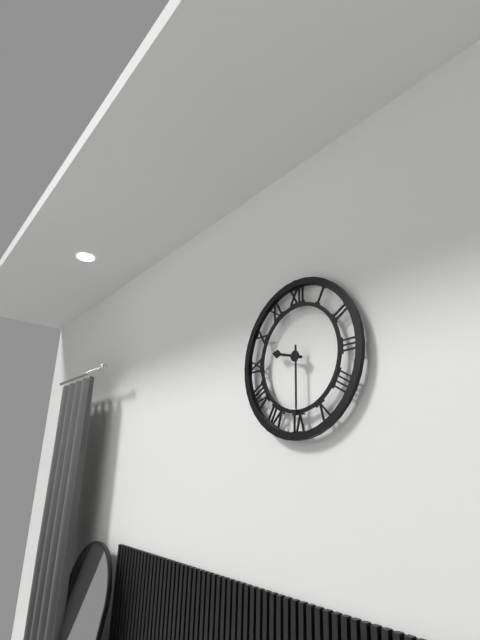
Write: 9:30
